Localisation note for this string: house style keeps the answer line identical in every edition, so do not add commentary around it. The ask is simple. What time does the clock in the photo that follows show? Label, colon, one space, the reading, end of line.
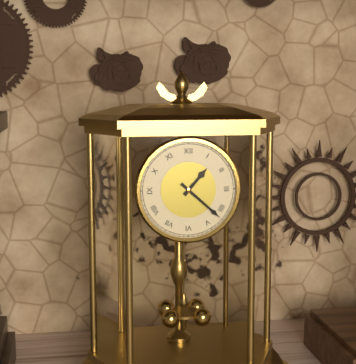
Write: 1:22
